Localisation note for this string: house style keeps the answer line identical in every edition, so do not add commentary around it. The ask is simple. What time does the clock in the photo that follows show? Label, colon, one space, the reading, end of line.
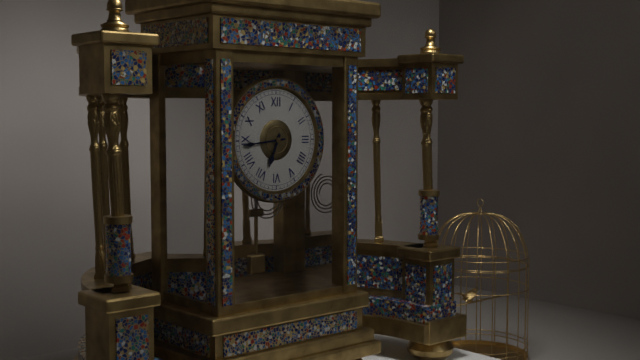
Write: 6:44
